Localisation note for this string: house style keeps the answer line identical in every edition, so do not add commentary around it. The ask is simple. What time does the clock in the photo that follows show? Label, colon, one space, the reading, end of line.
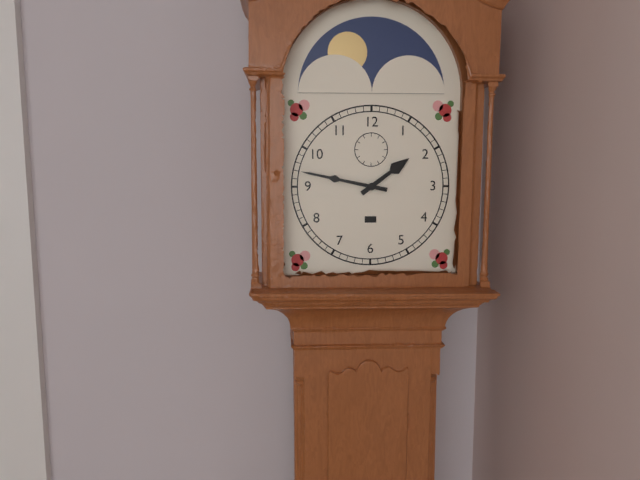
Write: 1:47
